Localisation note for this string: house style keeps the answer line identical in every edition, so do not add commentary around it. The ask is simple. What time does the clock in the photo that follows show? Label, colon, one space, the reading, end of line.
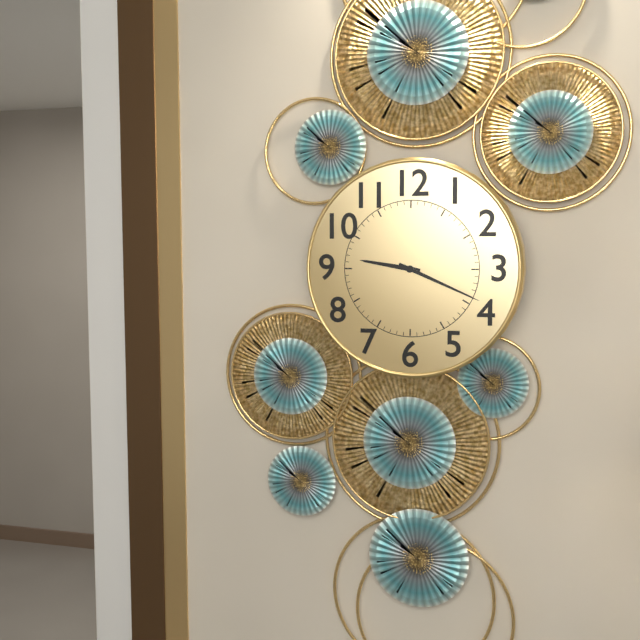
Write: 9:19
